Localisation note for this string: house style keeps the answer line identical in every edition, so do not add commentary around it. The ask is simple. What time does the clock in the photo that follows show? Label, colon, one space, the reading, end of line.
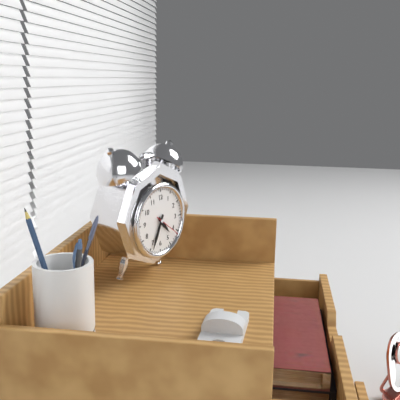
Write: 4:34
